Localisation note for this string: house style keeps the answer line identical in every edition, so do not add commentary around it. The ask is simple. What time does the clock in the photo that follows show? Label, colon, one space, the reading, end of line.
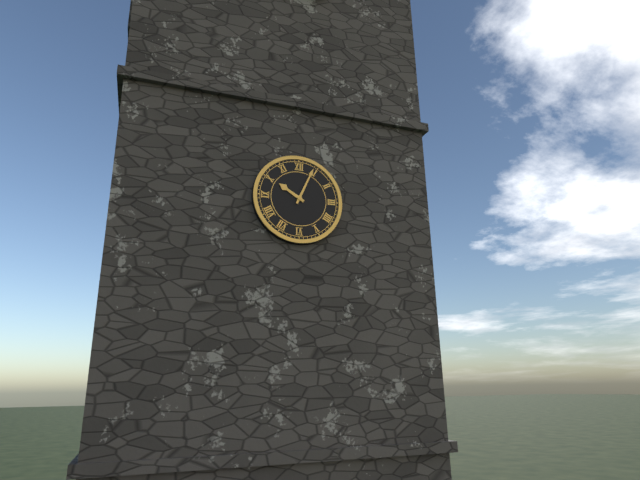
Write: 10:04
